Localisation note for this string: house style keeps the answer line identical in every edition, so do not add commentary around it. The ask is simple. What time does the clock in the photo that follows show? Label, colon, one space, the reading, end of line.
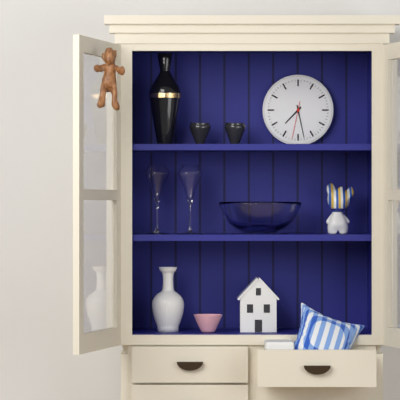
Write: 7:28
